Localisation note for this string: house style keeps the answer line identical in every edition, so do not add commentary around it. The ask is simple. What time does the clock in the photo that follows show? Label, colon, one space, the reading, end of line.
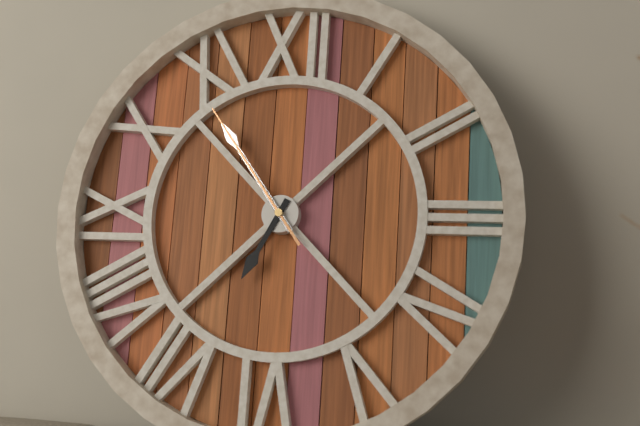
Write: 6:54:54
